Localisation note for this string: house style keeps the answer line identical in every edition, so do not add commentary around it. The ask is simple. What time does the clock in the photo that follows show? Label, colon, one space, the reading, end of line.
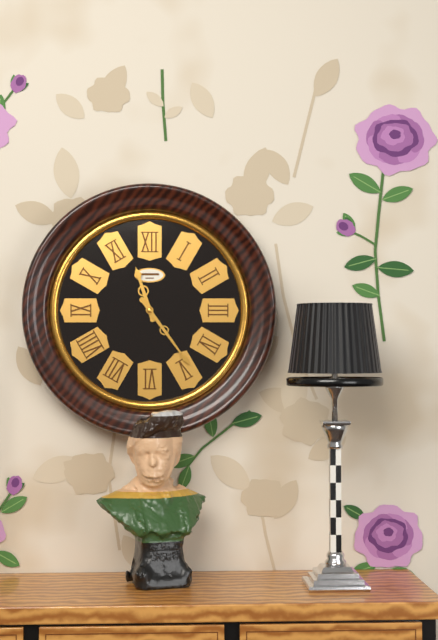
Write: 11:24
